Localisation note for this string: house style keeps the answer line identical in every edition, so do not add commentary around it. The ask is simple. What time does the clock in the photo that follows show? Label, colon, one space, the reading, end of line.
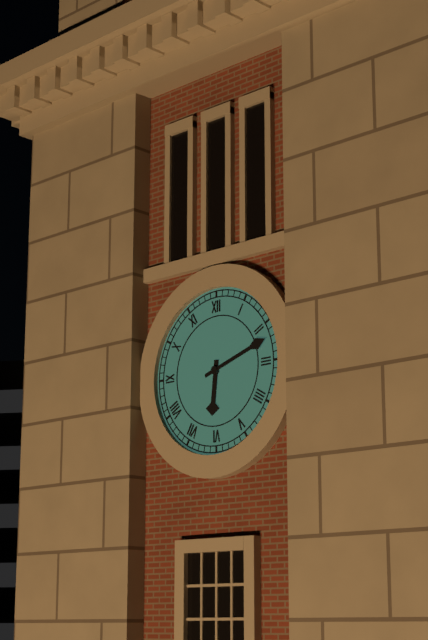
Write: 6:12
